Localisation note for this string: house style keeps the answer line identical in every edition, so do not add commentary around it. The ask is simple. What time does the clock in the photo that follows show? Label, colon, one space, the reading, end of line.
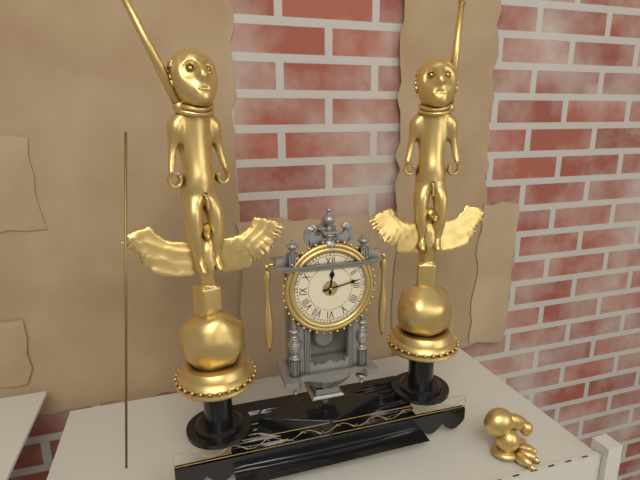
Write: 12:13
